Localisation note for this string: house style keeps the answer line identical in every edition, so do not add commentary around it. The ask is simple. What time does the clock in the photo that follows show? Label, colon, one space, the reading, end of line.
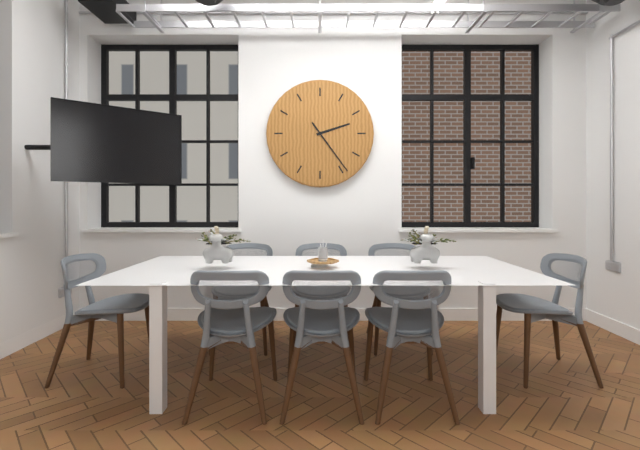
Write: 2:24
